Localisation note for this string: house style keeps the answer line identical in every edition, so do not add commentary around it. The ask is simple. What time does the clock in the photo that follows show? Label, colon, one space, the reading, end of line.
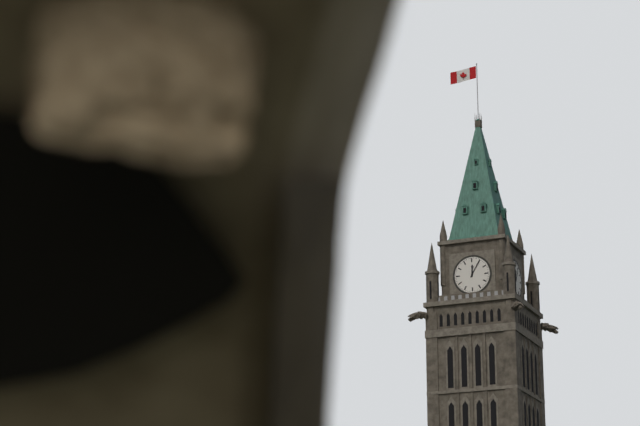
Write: 12:05
